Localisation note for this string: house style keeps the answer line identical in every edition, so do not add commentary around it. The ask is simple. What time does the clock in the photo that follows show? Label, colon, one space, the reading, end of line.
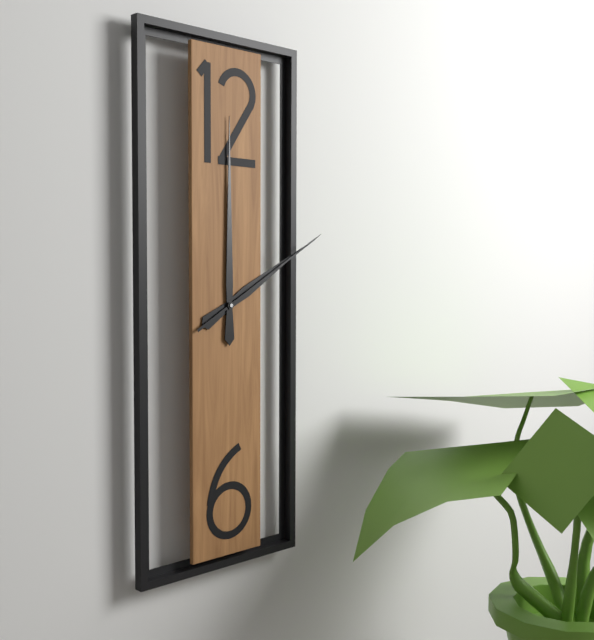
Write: 2:00:10
